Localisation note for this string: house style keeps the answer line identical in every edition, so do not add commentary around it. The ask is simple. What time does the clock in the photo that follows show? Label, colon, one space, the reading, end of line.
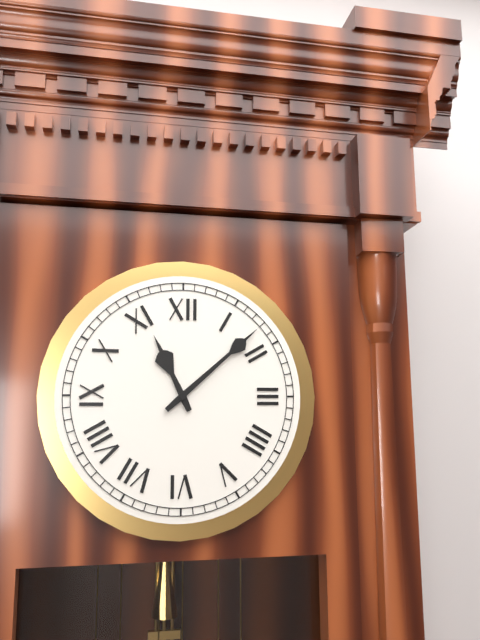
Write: 11:08
